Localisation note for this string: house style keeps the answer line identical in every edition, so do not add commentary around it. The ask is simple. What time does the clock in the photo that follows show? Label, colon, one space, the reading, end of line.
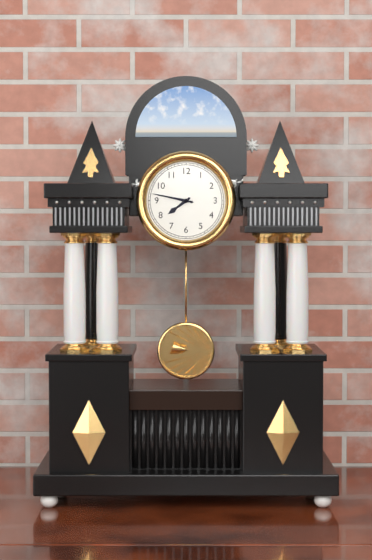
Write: 7:47
